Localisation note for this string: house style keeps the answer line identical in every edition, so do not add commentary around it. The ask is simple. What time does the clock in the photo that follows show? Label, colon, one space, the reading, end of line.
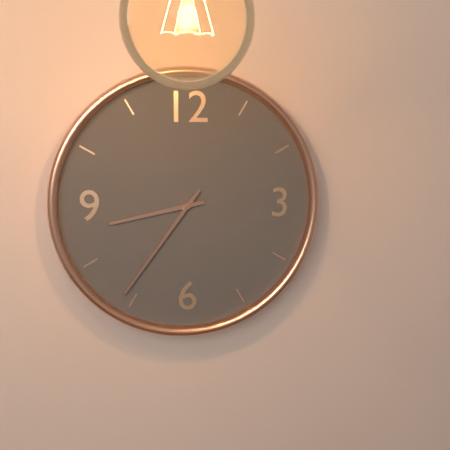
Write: 8:36
